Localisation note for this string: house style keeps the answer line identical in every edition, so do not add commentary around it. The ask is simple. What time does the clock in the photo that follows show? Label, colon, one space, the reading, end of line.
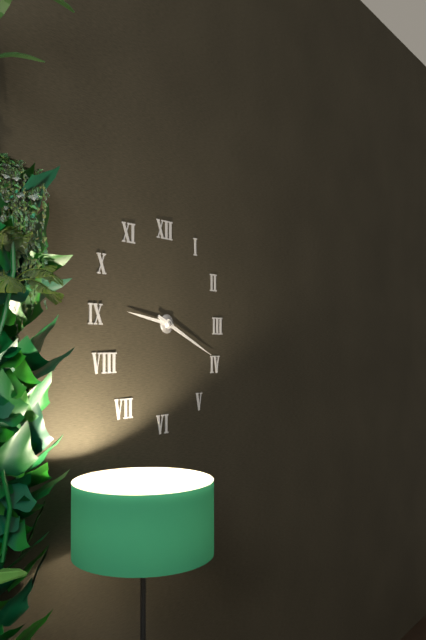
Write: 9:19
